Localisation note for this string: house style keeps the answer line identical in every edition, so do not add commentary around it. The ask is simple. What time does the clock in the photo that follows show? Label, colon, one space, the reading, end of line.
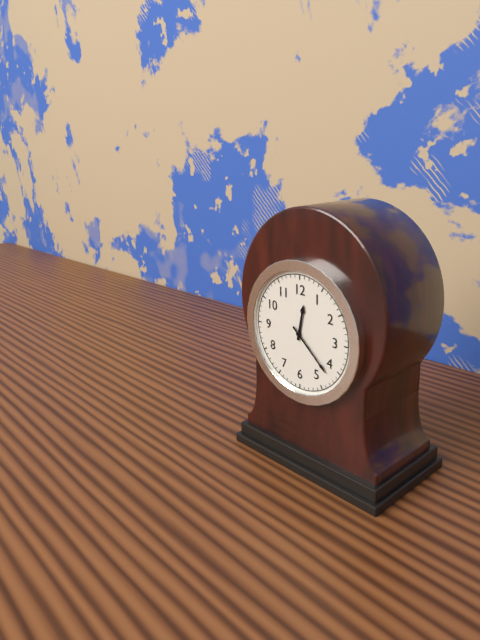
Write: 12:22
